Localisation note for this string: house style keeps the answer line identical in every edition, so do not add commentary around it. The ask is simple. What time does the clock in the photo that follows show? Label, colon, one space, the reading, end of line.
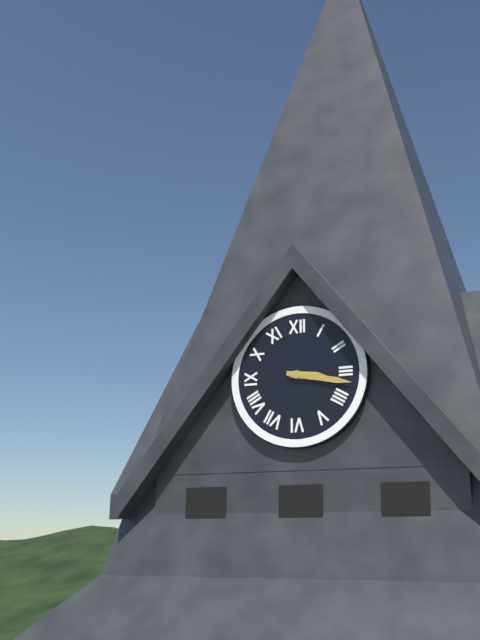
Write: 3:17
